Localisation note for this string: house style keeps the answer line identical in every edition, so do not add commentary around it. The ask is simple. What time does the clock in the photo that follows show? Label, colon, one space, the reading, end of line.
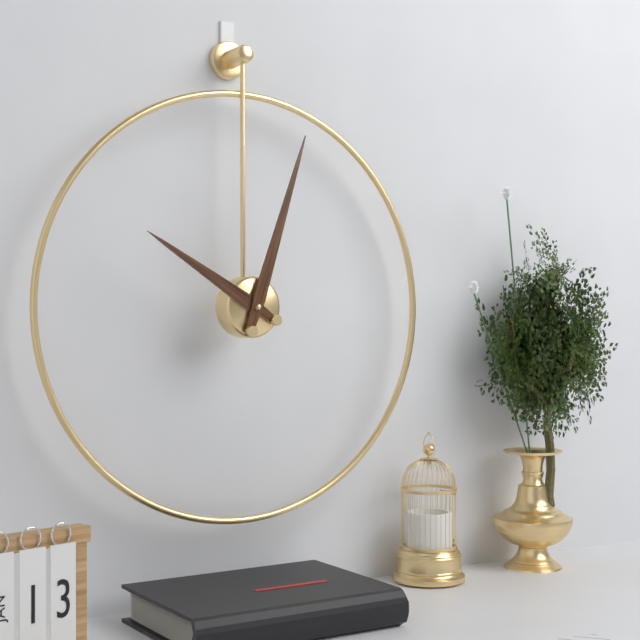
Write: 10:03
